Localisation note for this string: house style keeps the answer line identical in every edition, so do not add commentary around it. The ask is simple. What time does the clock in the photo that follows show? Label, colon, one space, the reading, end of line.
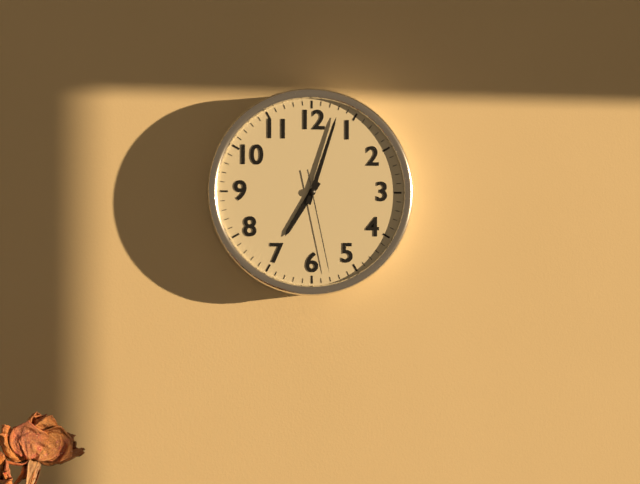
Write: 7:03:28
